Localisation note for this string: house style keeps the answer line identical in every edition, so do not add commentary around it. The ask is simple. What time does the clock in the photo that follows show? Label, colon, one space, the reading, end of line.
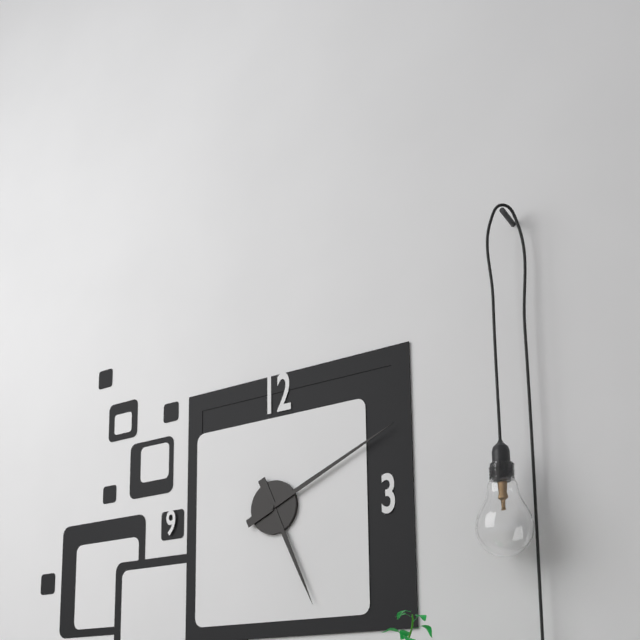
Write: 5:11
